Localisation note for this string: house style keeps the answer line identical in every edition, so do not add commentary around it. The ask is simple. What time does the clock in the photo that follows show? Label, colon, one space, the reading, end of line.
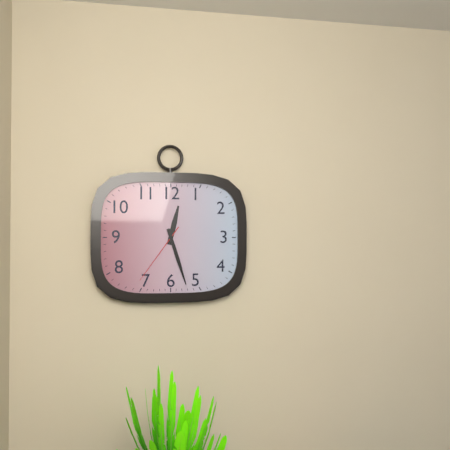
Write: 12:27:36
